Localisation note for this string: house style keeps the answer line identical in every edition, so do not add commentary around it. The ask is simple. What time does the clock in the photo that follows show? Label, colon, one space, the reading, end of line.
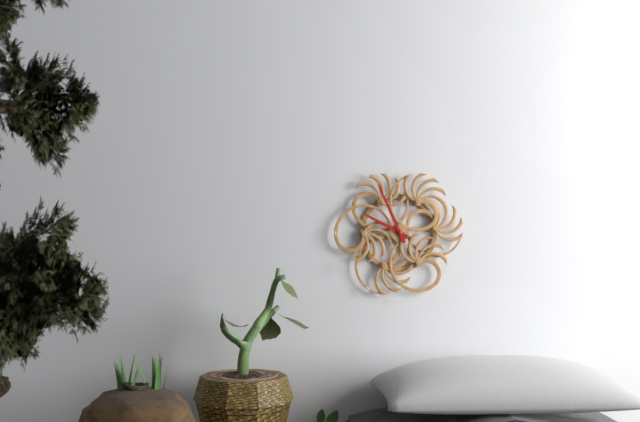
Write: 9:56
